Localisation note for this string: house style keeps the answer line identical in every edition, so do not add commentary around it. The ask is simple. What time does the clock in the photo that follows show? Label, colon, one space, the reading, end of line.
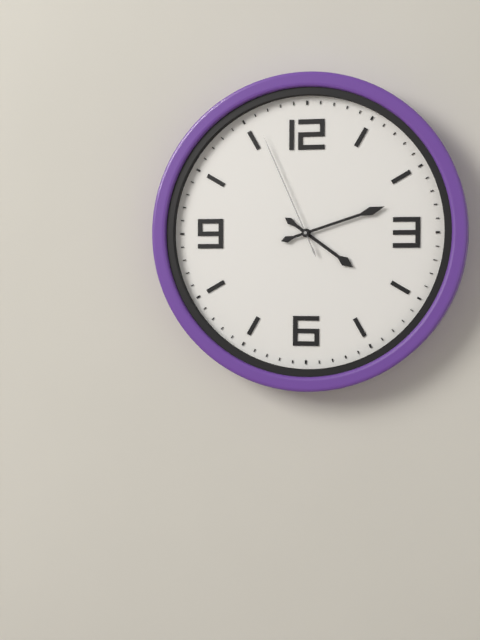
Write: 4:12:56
